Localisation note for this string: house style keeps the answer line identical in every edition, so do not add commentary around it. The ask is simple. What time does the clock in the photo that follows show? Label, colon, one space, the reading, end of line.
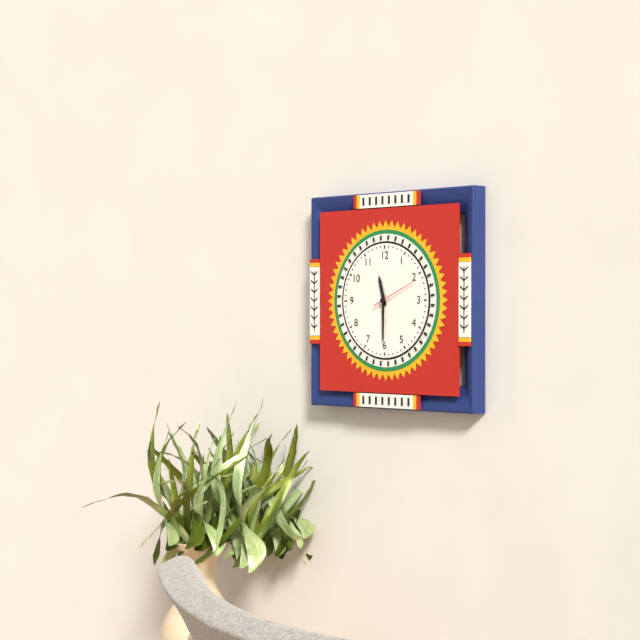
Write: 11:30
